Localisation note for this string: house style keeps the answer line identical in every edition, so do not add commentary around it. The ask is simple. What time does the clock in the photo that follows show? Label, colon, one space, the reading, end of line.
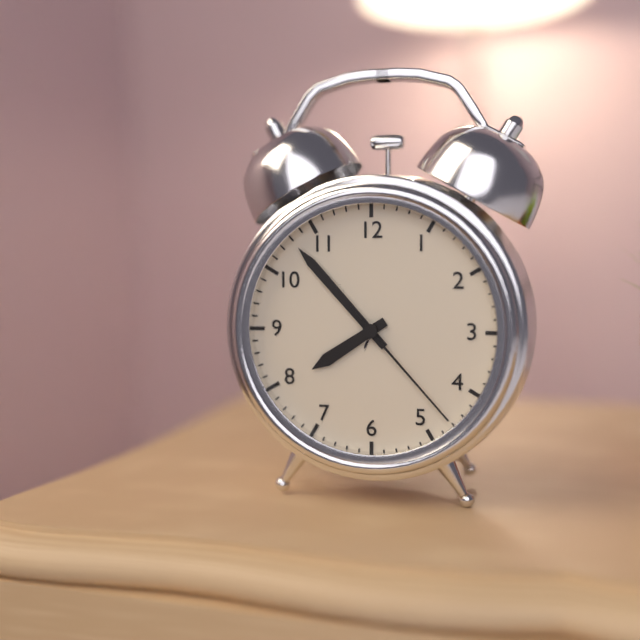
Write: 7:53:23
